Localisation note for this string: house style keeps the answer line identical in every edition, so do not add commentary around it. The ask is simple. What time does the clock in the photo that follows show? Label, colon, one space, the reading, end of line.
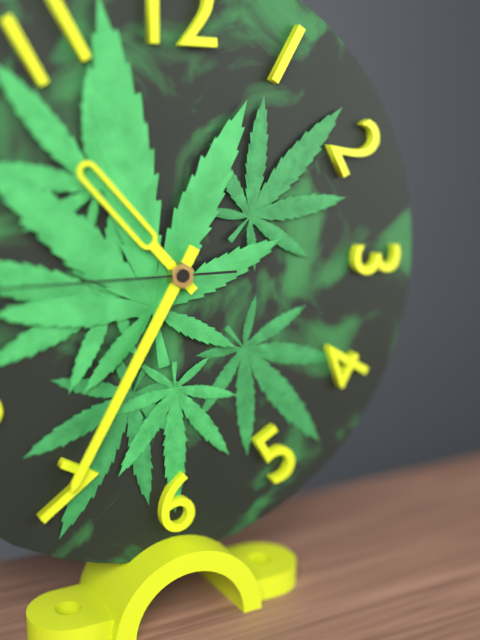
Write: 10:35
